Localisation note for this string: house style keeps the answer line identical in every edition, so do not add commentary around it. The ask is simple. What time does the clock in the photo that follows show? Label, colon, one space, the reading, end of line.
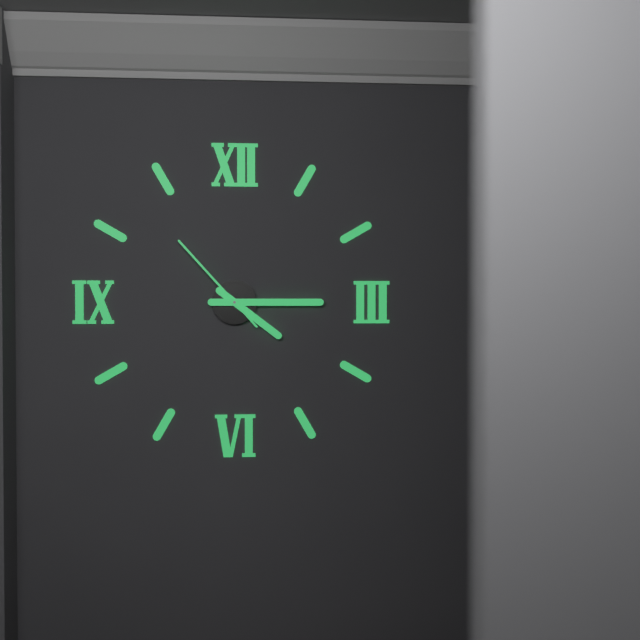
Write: 4:15:53
